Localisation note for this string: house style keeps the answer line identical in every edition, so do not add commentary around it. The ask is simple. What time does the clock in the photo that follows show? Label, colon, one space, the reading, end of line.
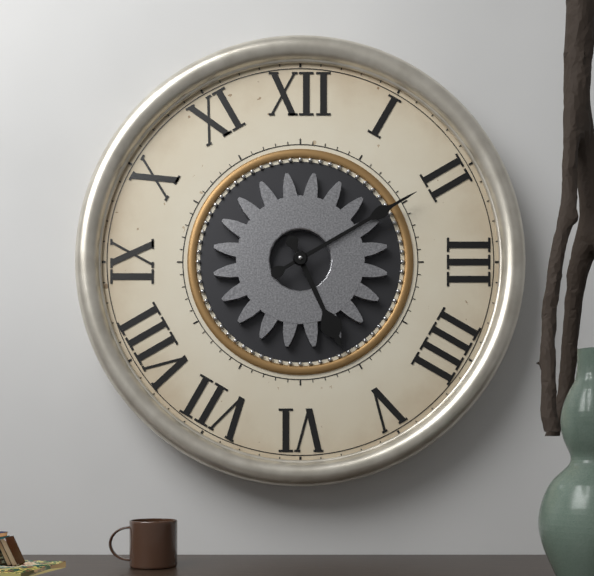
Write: 5:10
